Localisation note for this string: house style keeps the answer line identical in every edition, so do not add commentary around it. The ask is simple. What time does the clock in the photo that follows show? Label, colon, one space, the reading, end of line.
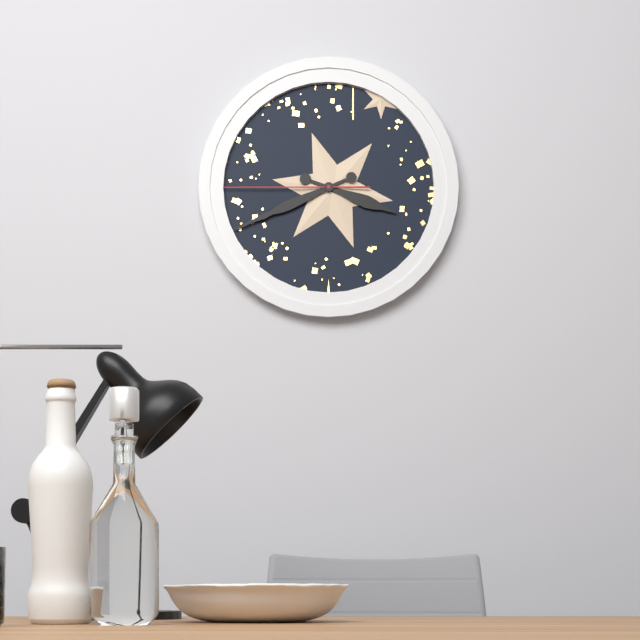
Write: 3:41:45
